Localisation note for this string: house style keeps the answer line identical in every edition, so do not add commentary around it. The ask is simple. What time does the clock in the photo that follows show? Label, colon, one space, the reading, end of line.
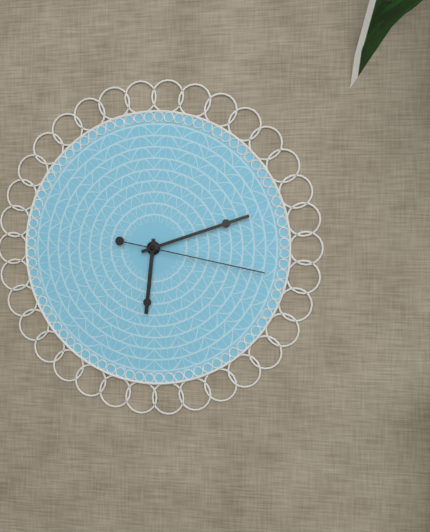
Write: 6:12:17
